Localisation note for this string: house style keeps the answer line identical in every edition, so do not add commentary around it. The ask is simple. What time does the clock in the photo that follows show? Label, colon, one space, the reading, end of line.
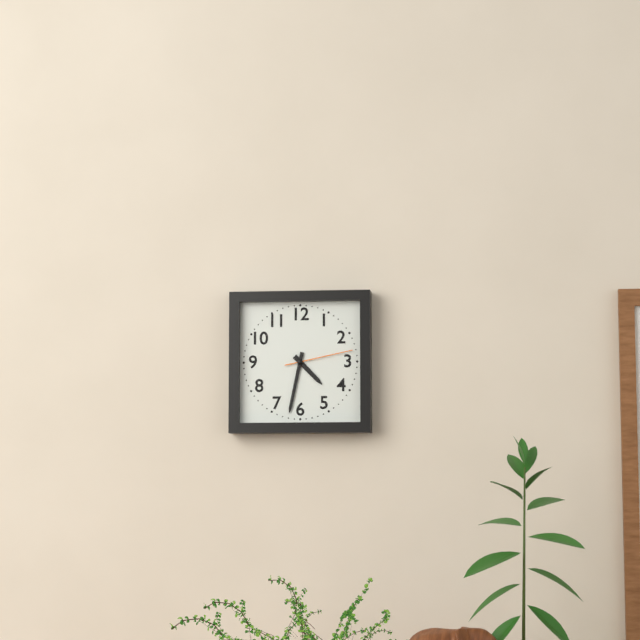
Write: 4:32:13
